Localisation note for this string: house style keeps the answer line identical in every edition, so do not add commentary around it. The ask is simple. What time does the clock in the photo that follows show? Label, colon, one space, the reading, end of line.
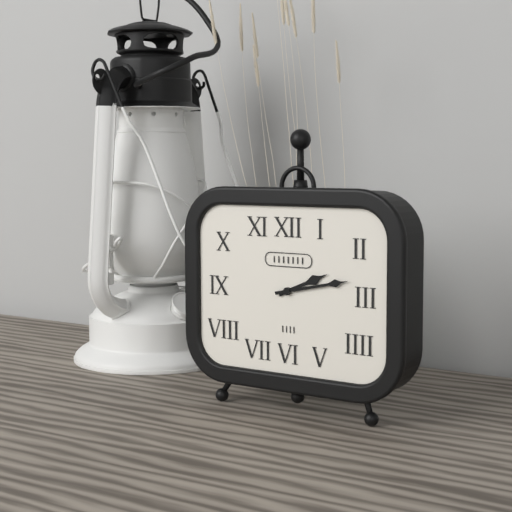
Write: 2:13
